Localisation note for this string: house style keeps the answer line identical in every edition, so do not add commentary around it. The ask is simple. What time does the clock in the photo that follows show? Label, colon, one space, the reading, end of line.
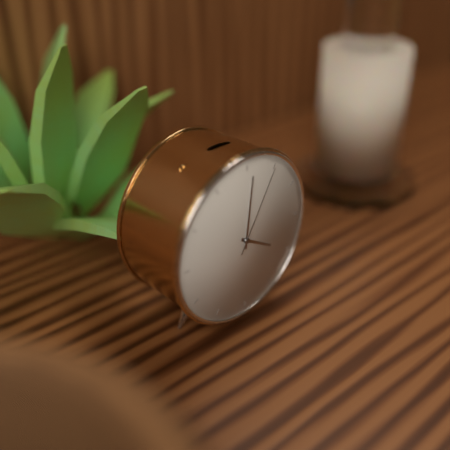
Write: 4:01:05
